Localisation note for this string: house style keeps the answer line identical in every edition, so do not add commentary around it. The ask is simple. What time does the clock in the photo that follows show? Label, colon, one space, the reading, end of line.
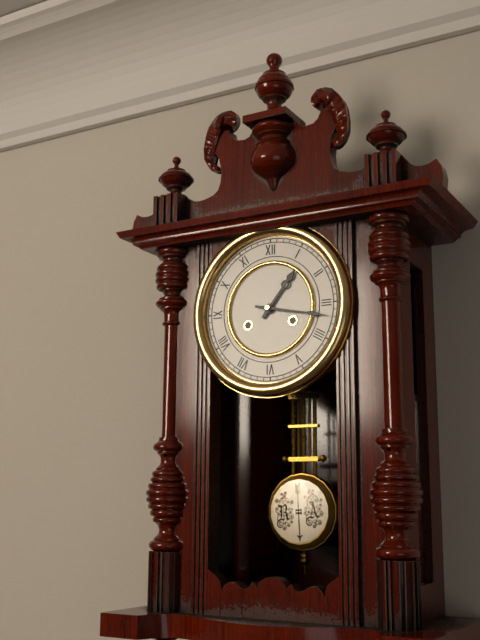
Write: 1:17
